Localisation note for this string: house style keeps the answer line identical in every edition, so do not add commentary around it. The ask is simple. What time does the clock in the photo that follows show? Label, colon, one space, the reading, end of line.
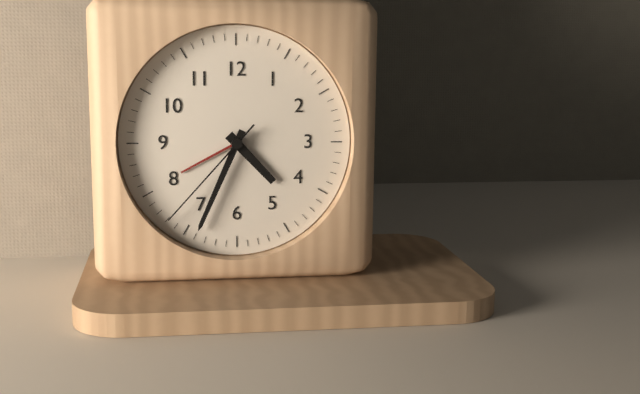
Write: 4:34:37
